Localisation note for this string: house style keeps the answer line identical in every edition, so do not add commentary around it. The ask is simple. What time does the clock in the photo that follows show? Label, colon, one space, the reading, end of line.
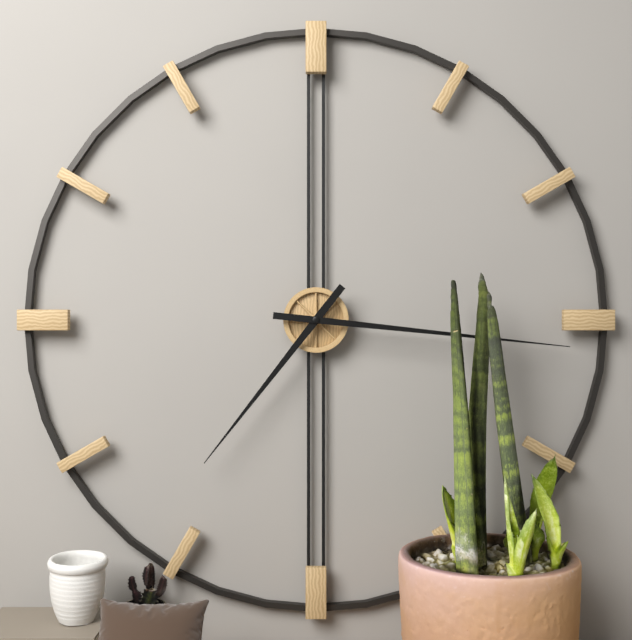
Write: 7:16
